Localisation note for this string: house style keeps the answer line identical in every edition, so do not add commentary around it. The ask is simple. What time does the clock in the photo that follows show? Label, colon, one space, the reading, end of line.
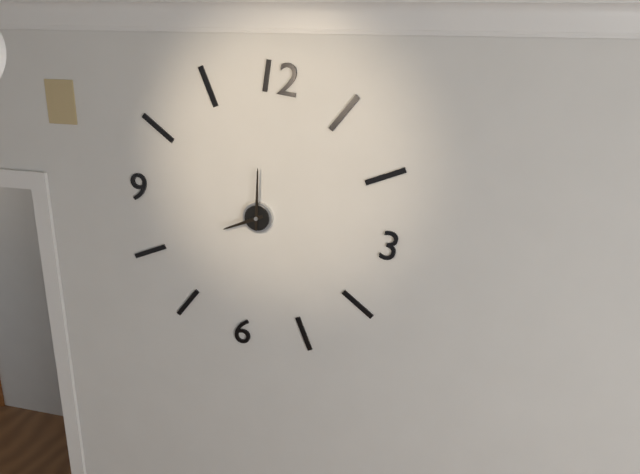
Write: 7:59
